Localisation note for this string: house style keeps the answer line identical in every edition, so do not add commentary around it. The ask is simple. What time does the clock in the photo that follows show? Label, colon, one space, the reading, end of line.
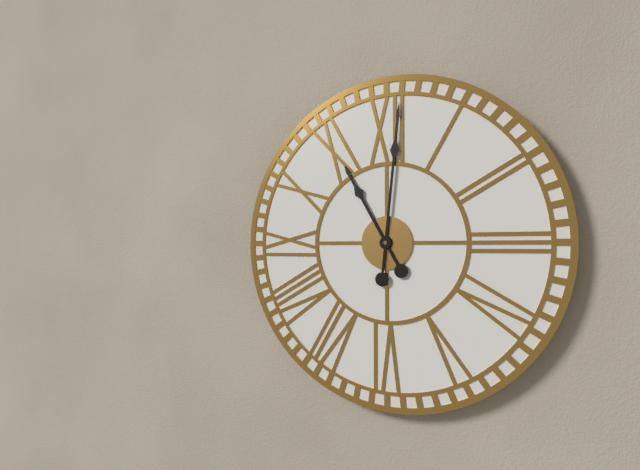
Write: 11:01
